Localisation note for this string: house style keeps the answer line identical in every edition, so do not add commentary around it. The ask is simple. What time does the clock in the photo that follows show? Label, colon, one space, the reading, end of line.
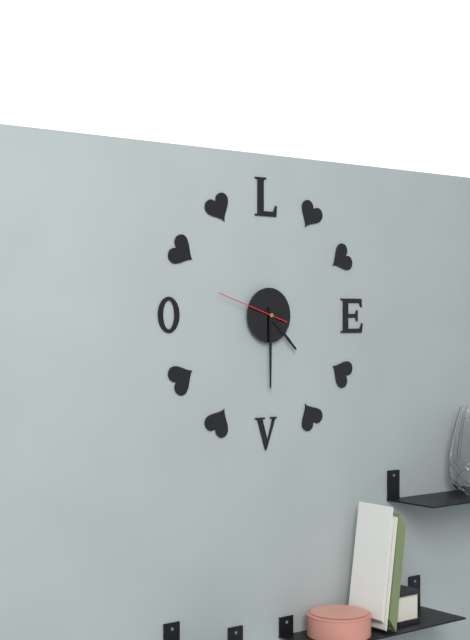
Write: 4:30:48
